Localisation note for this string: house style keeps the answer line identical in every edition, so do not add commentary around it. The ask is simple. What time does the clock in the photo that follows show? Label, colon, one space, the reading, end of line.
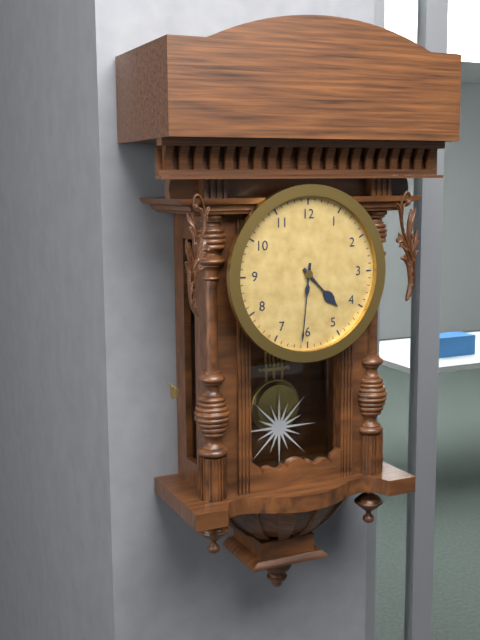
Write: 4:31
